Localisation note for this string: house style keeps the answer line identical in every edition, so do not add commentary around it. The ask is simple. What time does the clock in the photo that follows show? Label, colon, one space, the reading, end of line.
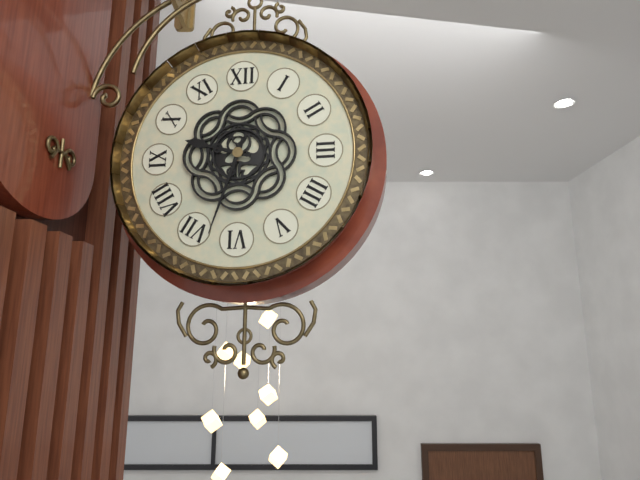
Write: 9:33
